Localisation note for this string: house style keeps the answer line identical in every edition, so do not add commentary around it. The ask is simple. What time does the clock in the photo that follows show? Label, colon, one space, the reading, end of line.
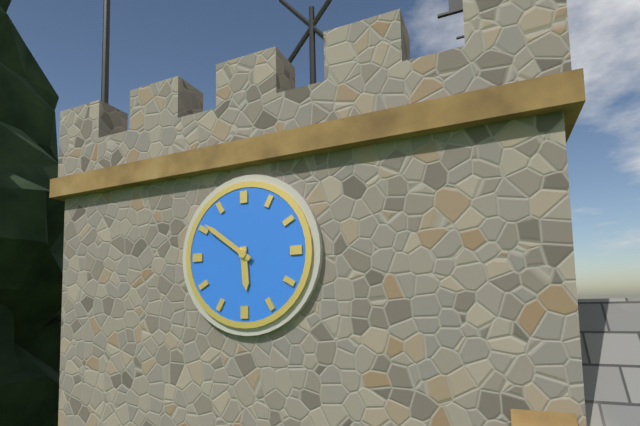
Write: 5:51
